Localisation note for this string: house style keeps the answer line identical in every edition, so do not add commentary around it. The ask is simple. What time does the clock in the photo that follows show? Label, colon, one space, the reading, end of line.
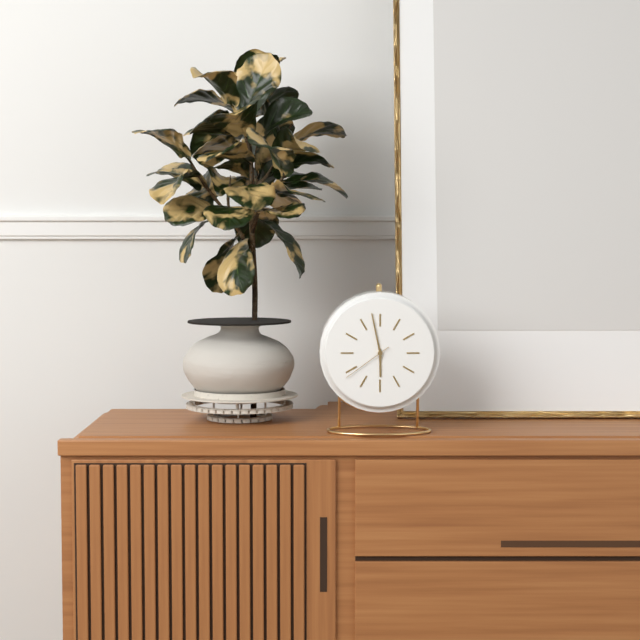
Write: 5:58:39
